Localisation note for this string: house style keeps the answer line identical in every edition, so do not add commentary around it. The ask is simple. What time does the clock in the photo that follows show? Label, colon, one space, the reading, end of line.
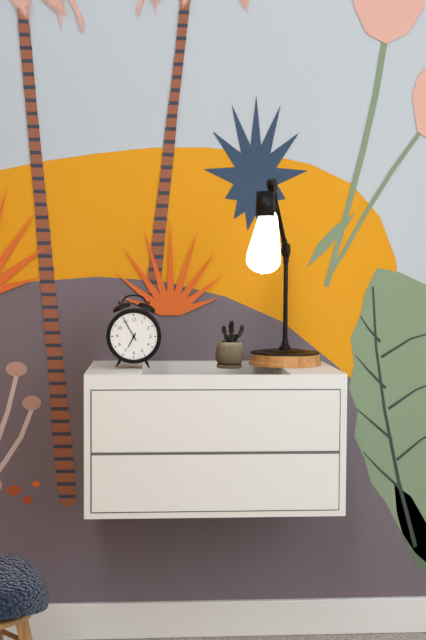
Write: 6:55
